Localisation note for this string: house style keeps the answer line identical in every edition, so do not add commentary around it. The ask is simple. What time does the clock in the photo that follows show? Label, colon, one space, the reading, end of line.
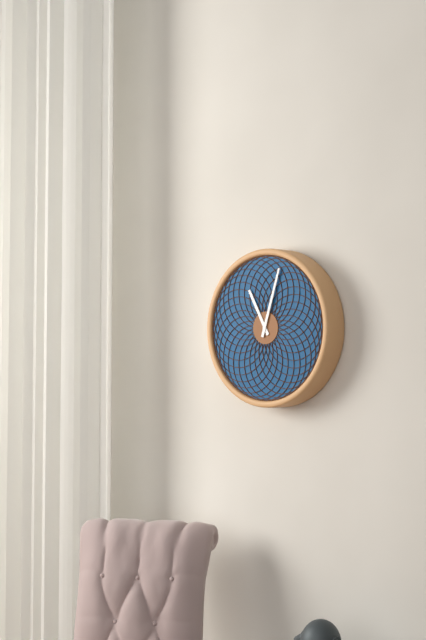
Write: 11:03
